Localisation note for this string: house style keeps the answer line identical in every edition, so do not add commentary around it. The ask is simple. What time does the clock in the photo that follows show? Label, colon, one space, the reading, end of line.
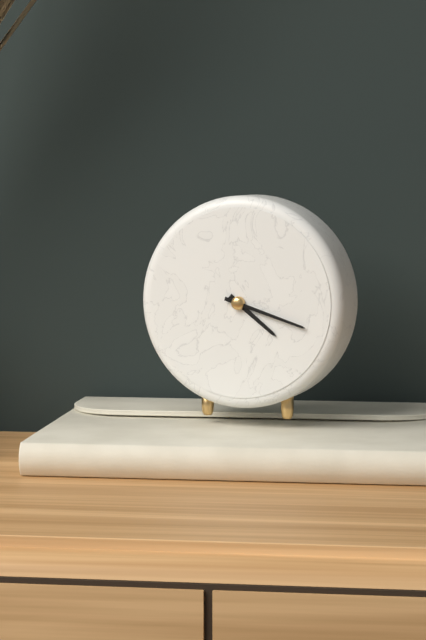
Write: 4:18
